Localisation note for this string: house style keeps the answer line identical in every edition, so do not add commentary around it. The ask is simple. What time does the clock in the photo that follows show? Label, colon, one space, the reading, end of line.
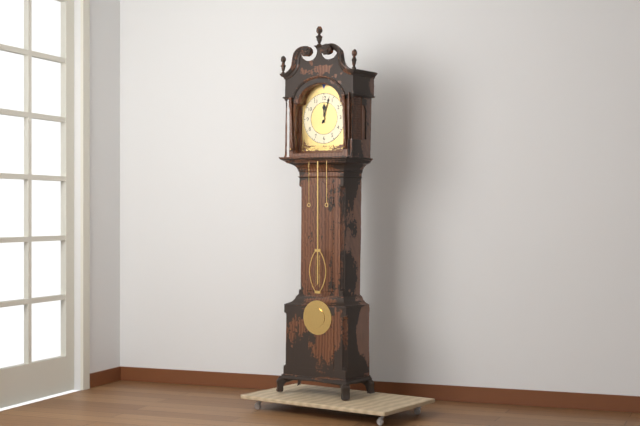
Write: 12:03
